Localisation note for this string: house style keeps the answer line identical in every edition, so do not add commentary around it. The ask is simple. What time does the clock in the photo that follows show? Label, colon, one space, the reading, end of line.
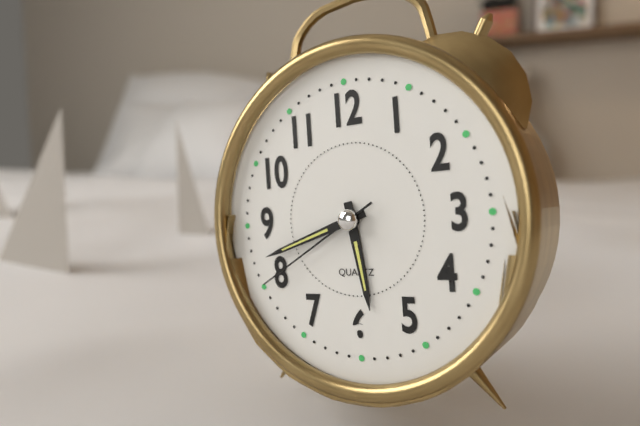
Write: 5:42:40
